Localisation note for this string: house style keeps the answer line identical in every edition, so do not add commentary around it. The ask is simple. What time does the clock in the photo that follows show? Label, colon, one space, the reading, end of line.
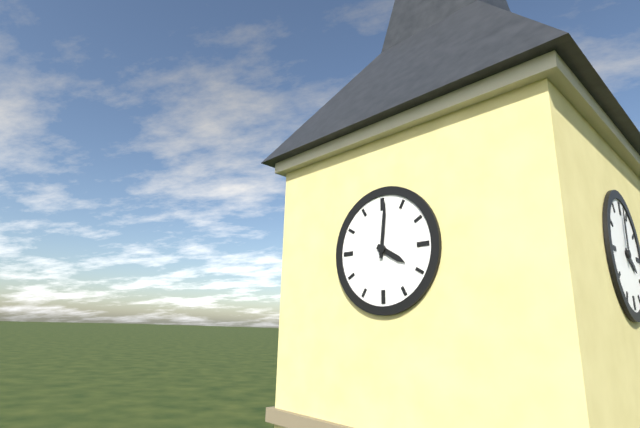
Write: 4:01
